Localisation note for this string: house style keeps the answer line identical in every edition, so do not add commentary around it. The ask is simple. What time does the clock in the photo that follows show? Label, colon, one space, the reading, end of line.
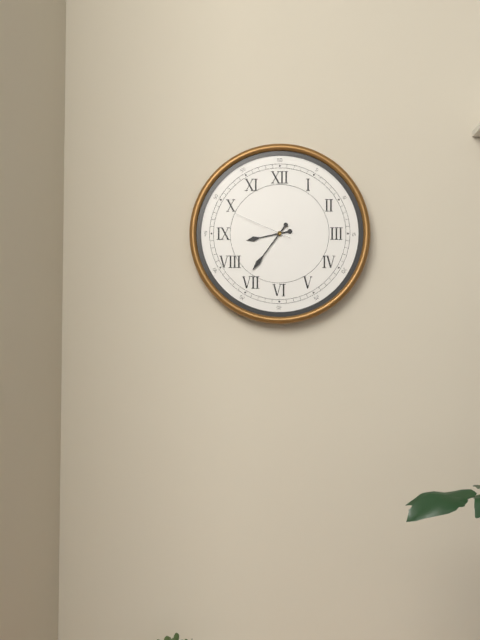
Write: 8:36:49
